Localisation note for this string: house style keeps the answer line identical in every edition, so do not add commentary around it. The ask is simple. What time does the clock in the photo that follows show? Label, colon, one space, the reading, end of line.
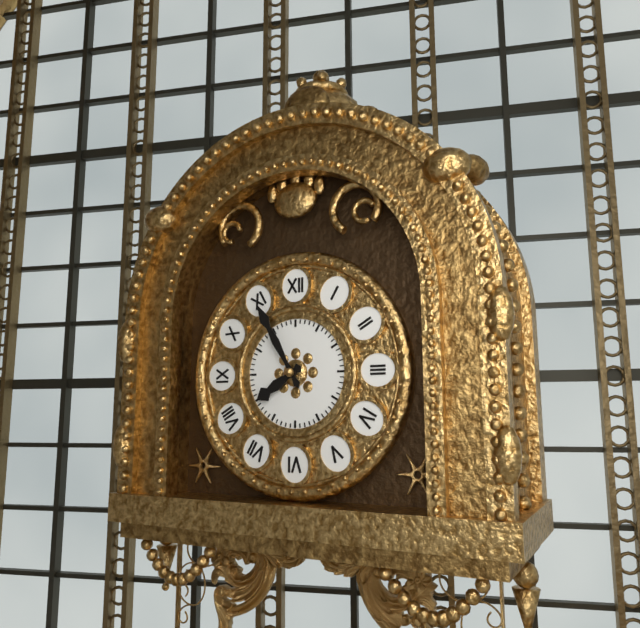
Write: 7:55
